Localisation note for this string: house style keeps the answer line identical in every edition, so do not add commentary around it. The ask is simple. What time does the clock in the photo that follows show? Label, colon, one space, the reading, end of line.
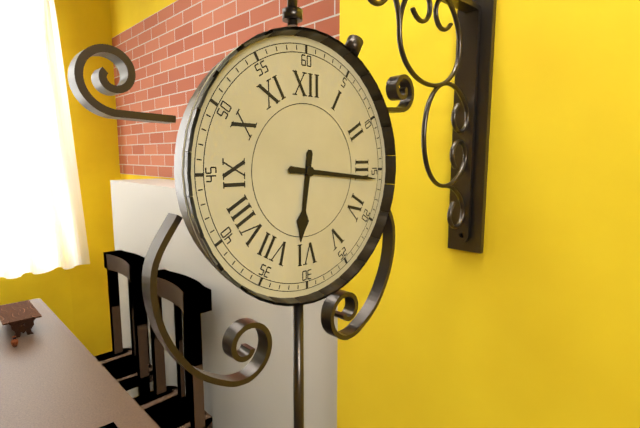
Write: 6:16
